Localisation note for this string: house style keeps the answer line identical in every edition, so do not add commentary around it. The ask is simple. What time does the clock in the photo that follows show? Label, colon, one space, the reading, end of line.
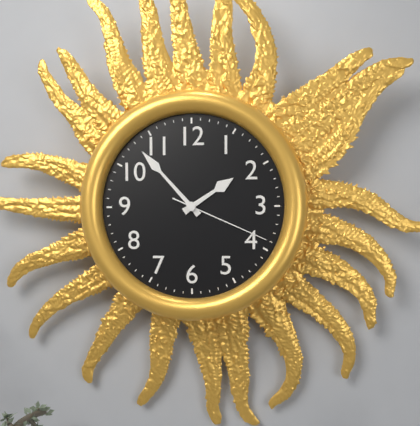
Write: 1:53:19
